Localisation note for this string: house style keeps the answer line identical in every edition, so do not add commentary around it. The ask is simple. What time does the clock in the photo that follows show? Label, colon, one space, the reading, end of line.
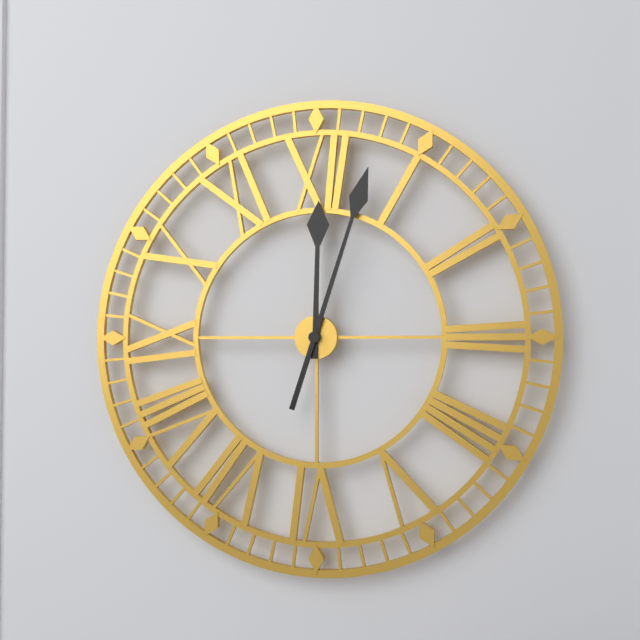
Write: 12:03
